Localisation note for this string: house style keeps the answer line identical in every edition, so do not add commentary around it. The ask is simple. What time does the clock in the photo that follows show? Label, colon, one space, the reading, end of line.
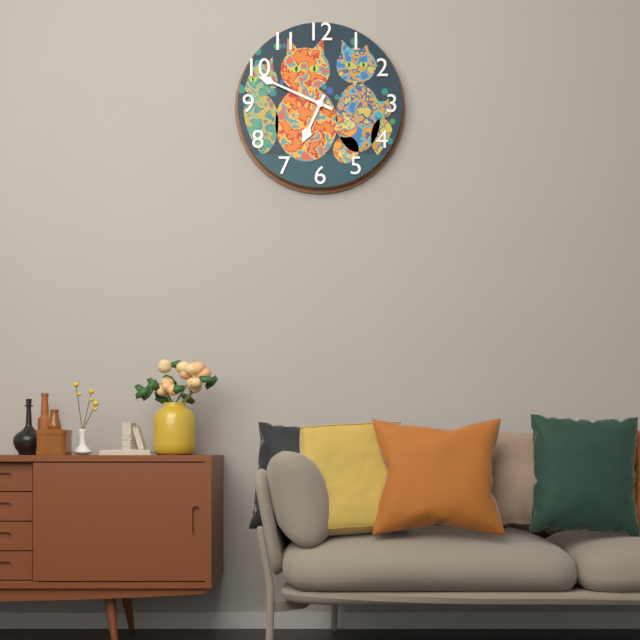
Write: 6:49
